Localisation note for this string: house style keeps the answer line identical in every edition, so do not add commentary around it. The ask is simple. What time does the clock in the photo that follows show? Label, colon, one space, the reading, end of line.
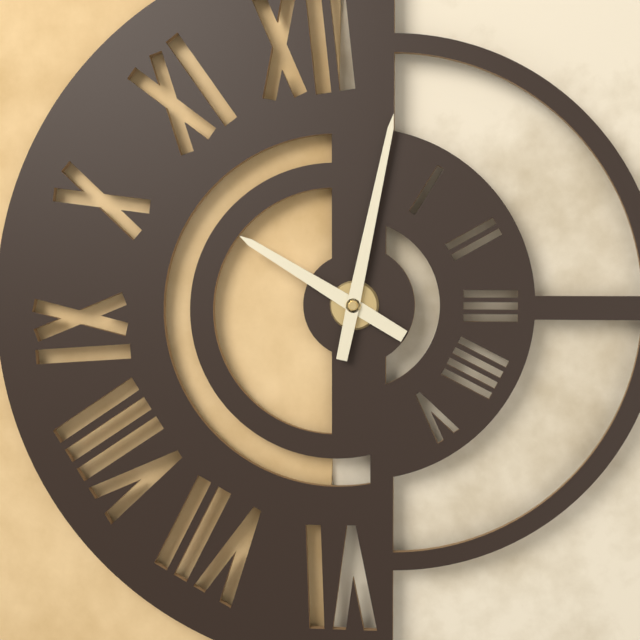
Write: 10:02
